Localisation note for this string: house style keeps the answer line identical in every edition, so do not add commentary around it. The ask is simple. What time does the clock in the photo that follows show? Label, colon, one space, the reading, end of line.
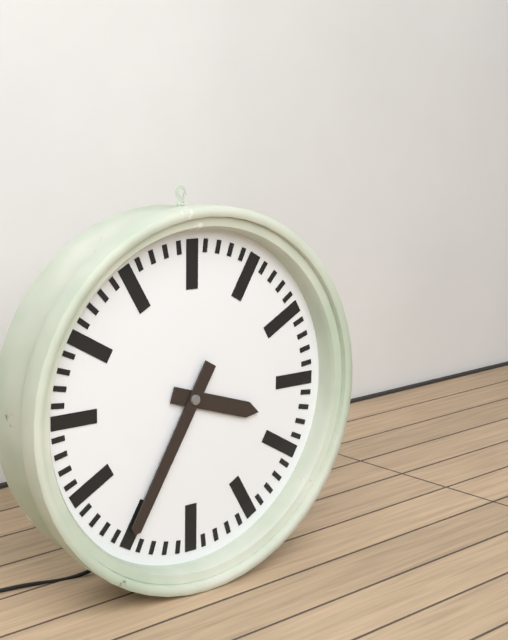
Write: 3:35
